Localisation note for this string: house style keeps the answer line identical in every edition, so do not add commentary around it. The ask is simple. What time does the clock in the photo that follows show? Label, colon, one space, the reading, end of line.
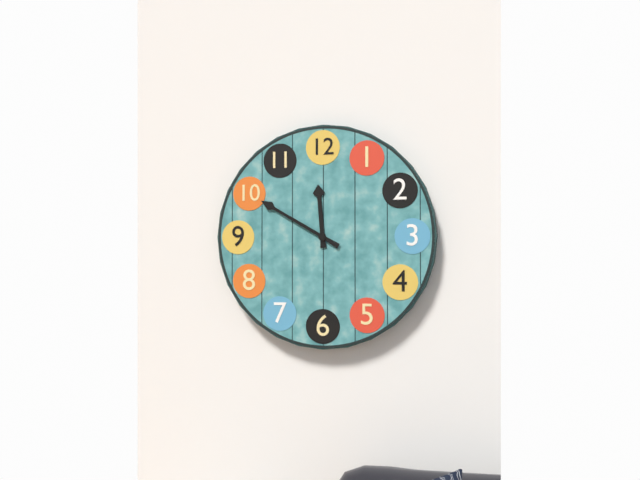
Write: 11:50
